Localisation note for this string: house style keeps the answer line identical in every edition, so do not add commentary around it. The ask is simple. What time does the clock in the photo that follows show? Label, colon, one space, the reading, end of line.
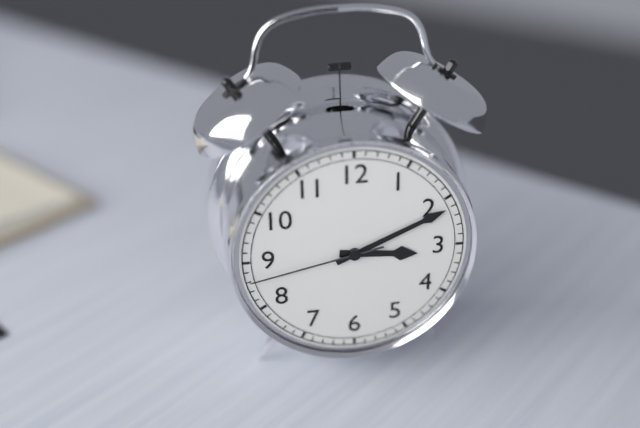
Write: 3:11:43
